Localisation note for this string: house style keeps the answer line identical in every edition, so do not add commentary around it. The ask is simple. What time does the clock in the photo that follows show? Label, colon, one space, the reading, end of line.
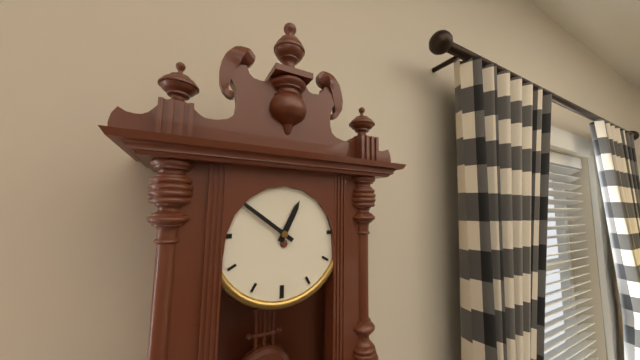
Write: 12:51
